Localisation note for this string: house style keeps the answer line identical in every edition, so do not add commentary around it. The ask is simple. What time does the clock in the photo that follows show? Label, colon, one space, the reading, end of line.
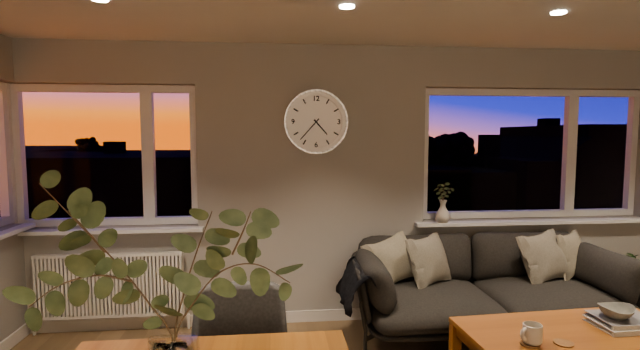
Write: 4:37
